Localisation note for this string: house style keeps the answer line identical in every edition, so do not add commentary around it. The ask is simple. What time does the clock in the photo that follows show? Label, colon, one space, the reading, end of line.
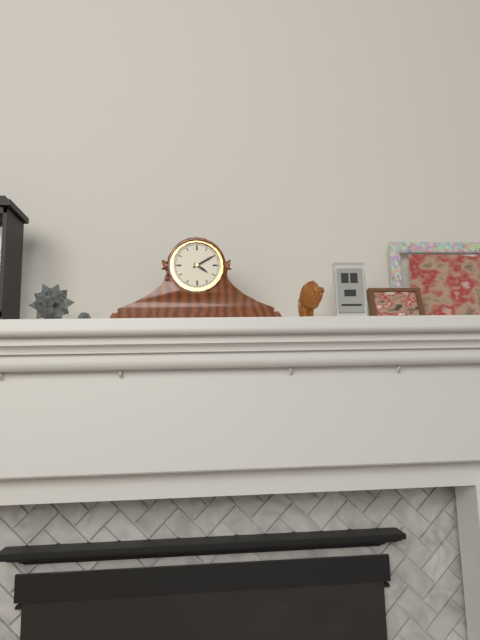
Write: 4:10
